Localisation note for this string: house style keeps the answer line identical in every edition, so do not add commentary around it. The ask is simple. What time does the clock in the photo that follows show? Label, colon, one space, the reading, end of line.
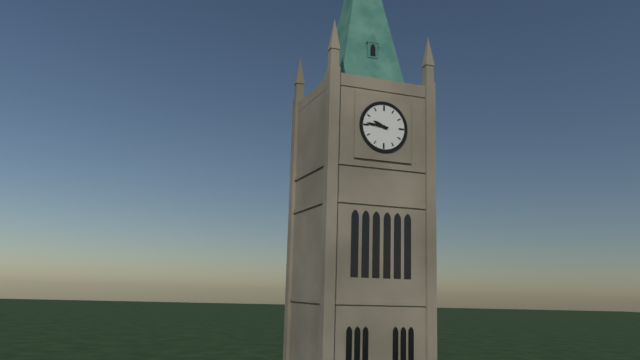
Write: 9:46
